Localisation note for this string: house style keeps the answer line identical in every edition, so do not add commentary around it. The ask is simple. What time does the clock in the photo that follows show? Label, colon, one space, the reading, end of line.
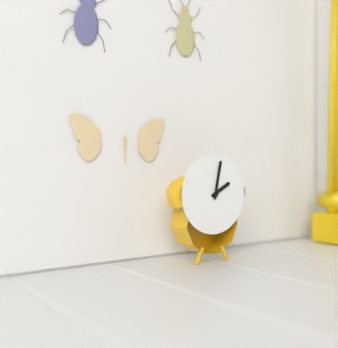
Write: 2:02
